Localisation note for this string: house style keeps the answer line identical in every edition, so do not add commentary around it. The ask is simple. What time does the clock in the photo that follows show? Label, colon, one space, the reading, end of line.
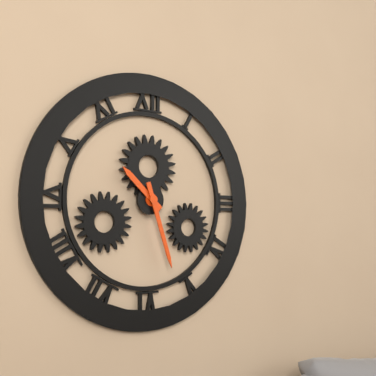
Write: 10:27
